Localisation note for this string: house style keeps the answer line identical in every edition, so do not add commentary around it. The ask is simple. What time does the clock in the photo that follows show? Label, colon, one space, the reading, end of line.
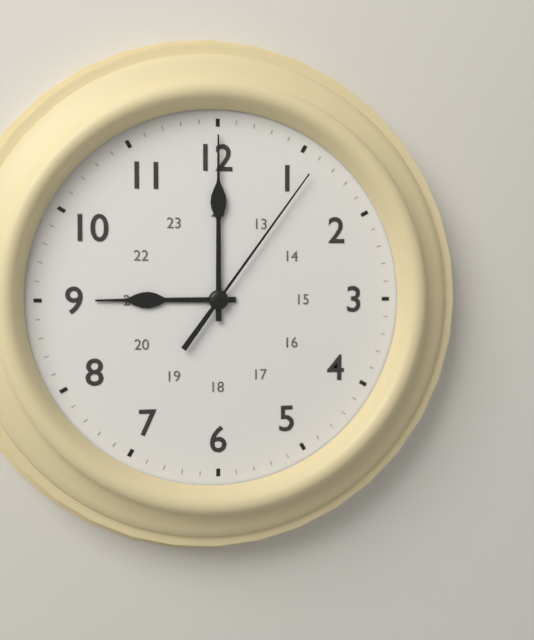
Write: 9:00:06
